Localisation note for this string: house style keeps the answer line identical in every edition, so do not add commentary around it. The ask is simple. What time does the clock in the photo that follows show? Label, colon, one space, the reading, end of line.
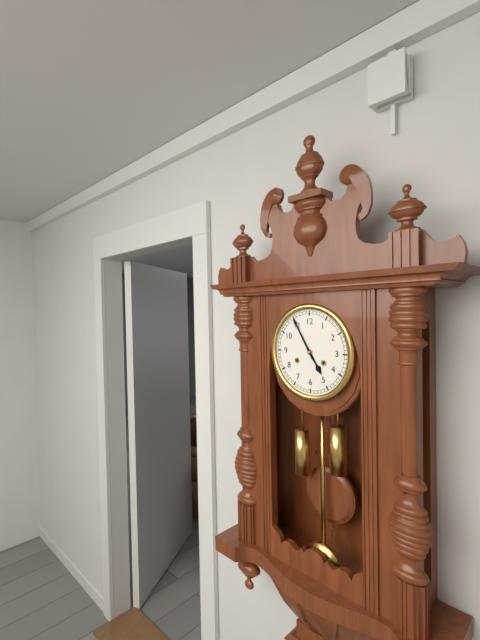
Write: 4:55
